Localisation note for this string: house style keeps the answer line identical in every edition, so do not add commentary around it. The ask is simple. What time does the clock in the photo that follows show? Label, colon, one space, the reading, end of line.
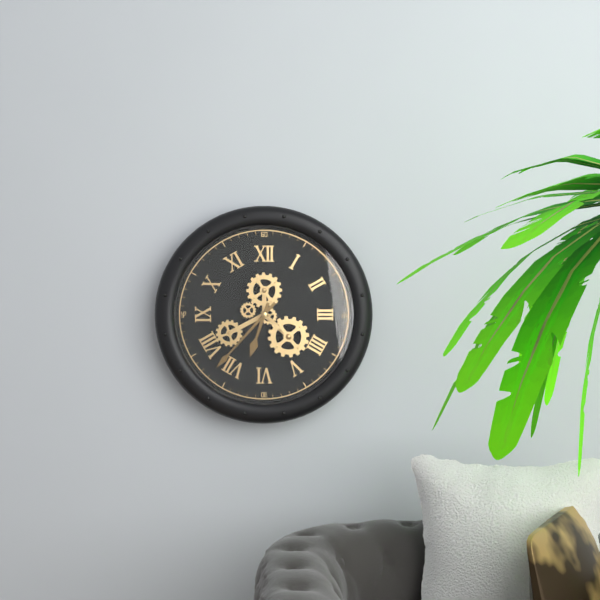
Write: 6:37
